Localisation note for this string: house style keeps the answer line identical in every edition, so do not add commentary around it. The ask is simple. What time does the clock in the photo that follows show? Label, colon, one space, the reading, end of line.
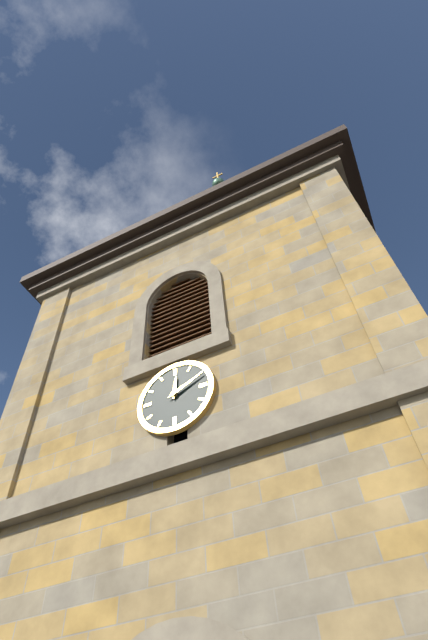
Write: 12:11
